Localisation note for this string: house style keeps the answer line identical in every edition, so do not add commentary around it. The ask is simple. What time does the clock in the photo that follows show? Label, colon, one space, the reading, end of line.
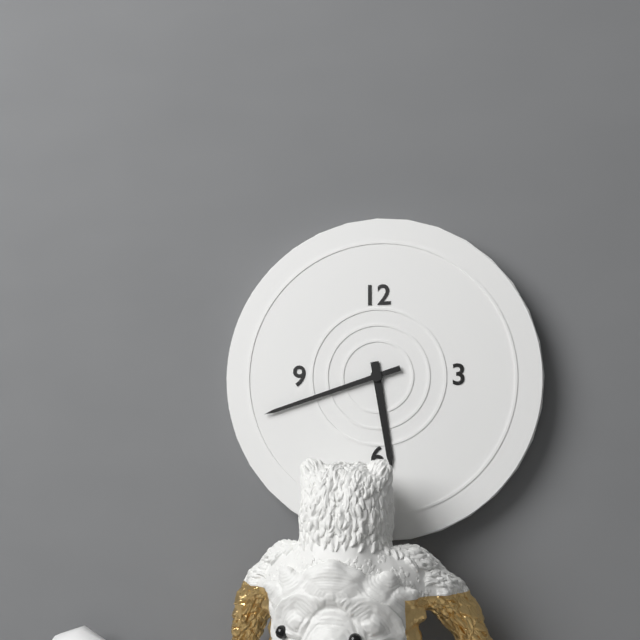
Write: 5:42
